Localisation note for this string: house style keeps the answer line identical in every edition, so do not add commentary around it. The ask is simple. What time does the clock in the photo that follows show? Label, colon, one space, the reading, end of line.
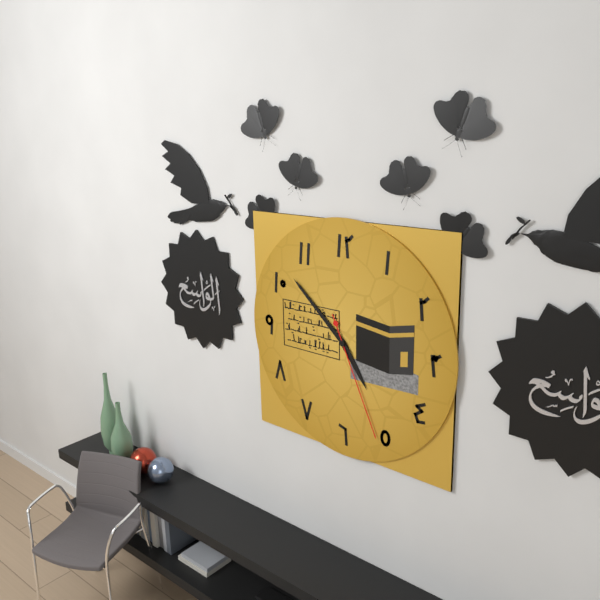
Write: 4:52:26
